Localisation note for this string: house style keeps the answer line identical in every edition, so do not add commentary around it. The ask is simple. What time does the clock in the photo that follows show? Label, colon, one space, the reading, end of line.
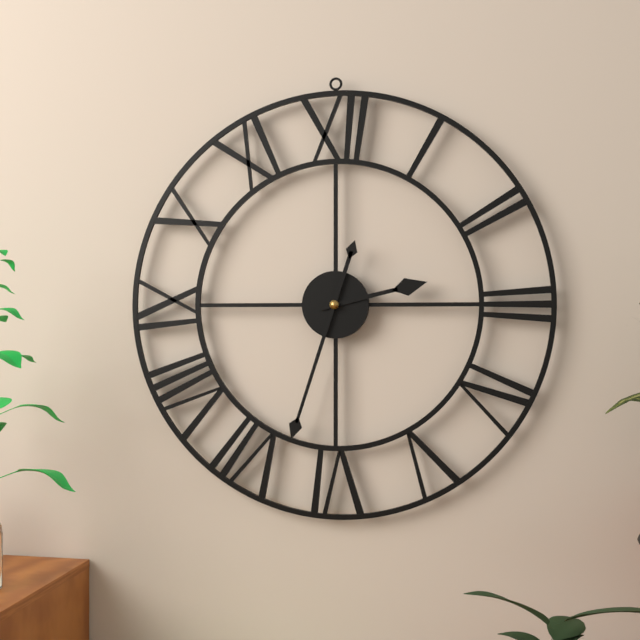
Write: 2:33
